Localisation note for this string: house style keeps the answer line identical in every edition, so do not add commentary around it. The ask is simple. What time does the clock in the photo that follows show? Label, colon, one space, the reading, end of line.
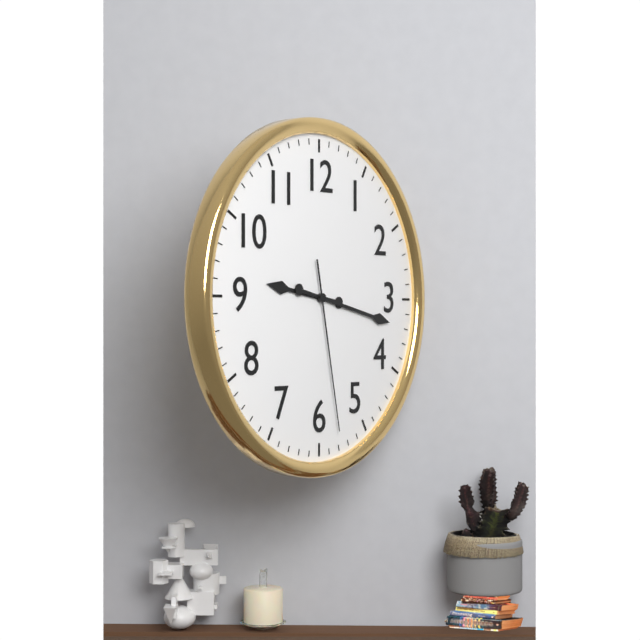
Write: 9:17:28
